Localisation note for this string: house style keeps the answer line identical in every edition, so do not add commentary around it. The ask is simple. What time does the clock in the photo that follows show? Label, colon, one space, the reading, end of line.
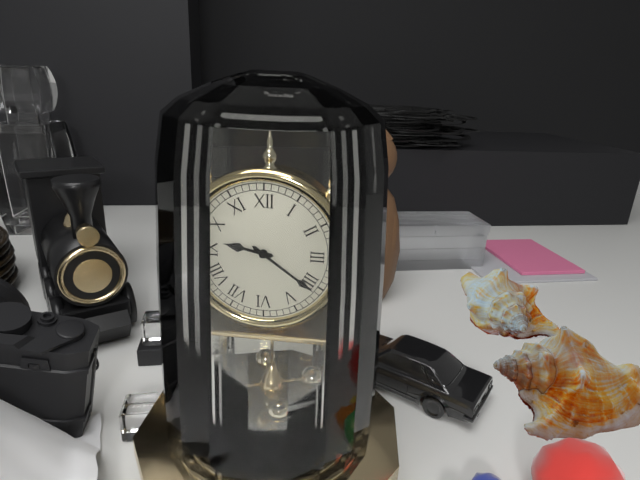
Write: 9:21
